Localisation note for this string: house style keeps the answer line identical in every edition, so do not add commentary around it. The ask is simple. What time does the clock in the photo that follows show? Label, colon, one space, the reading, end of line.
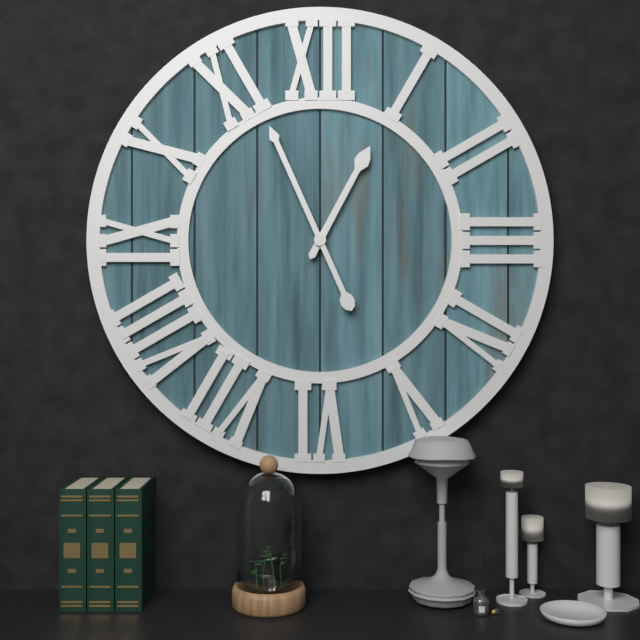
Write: 12:56
